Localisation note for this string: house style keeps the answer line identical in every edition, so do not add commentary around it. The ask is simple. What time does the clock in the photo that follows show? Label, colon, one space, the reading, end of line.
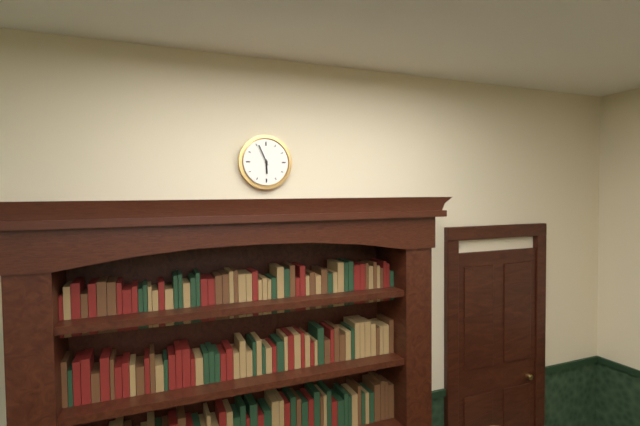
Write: 5:56
